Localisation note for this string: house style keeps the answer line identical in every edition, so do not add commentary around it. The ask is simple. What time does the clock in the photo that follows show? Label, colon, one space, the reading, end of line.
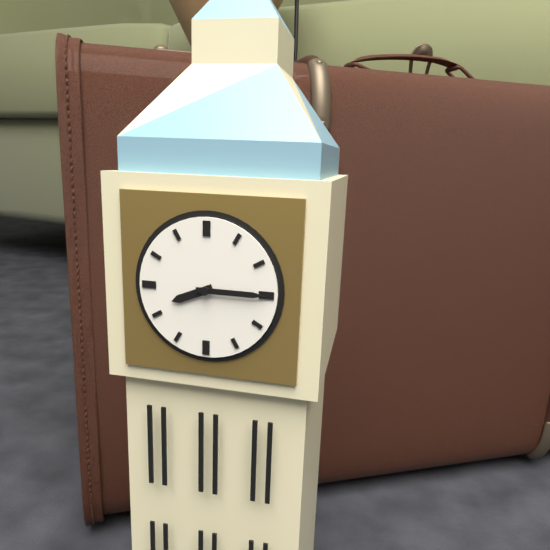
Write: 8:15
